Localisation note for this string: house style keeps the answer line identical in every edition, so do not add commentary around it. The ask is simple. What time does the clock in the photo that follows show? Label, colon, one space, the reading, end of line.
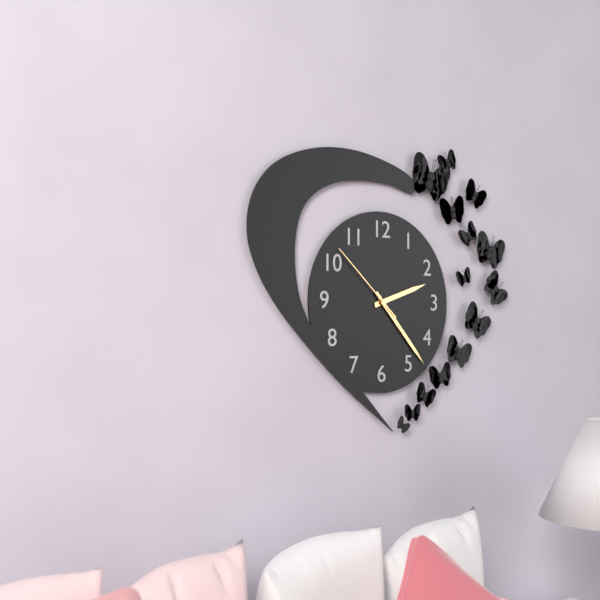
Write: 2:23:52
